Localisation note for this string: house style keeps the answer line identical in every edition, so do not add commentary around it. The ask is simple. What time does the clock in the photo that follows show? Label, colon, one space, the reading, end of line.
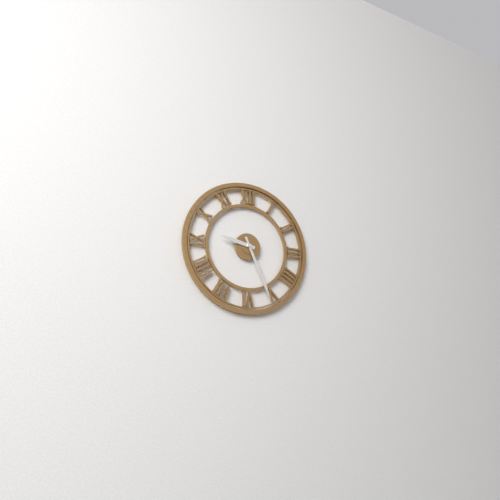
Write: 9:26
